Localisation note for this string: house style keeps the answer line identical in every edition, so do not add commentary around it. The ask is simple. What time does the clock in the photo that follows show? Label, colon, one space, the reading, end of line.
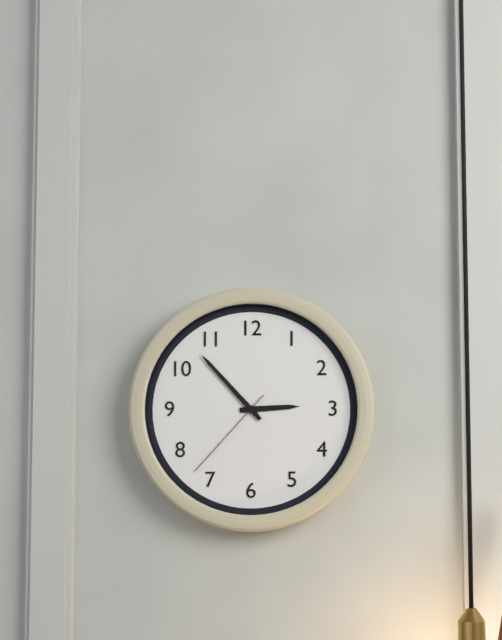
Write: 2:53:37
